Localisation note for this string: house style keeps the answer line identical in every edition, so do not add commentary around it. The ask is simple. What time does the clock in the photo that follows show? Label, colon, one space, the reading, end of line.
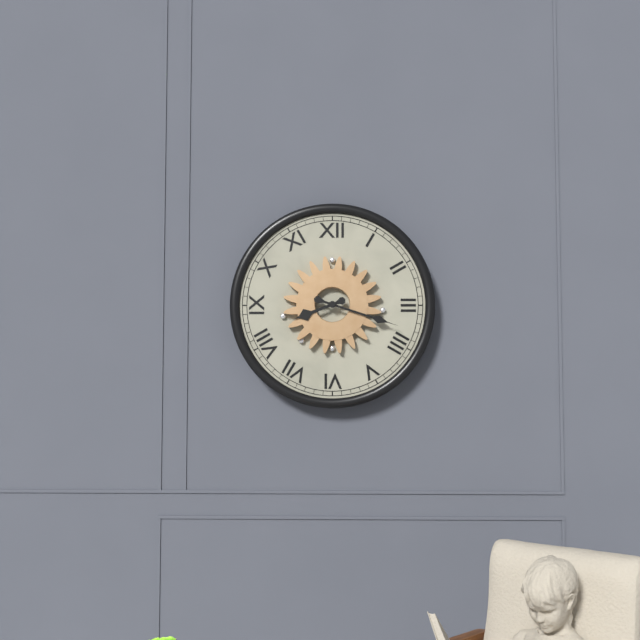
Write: 8:18
